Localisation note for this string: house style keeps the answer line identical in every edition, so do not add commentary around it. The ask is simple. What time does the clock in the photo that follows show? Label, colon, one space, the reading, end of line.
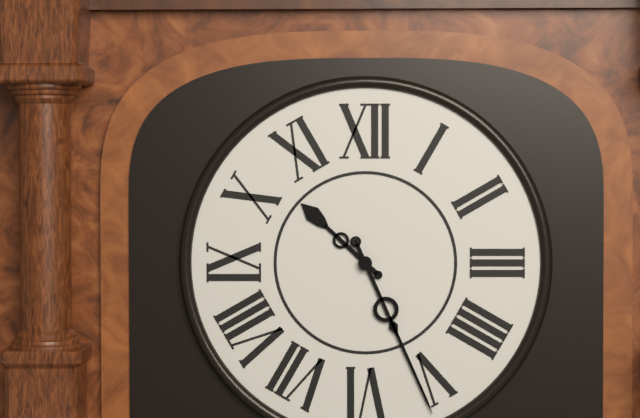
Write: 10:26
